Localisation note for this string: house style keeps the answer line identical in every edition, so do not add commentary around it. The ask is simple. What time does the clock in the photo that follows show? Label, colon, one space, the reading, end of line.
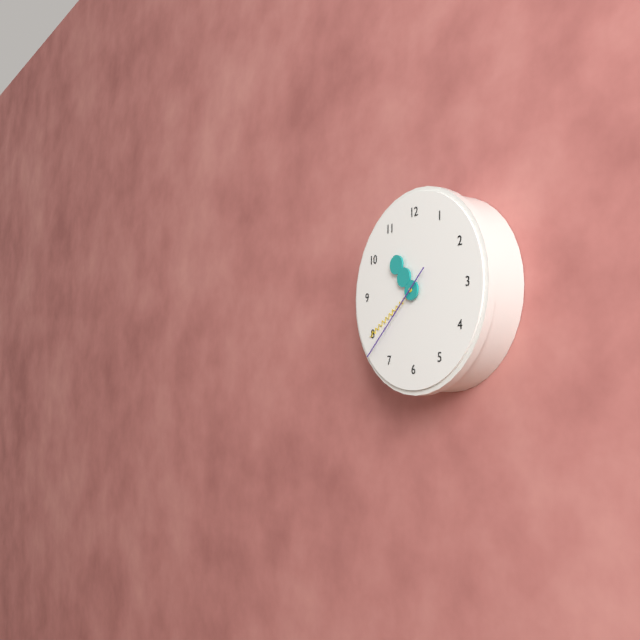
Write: 10:40:38
